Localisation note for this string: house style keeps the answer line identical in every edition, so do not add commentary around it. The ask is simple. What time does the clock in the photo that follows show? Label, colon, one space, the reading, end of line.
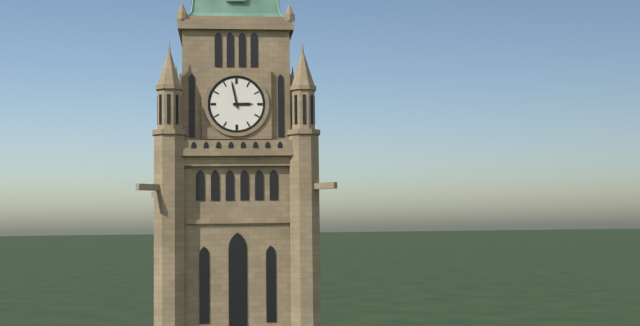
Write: 2:58
